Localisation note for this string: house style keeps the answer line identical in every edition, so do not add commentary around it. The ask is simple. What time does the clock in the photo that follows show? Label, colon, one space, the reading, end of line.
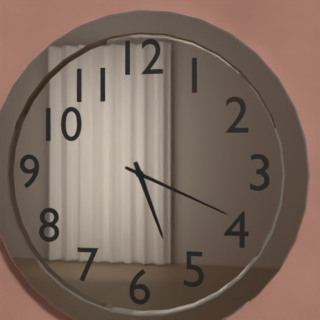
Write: 5:19
